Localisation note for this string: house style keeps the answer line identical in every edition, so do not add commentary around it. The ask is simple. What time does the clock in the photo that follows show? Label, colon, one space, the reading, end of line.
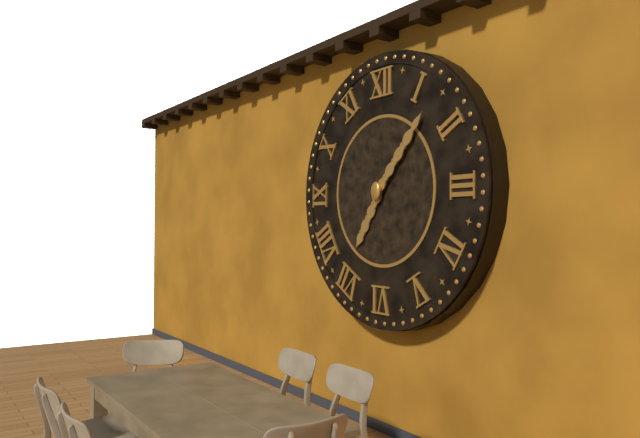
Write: 7:07
